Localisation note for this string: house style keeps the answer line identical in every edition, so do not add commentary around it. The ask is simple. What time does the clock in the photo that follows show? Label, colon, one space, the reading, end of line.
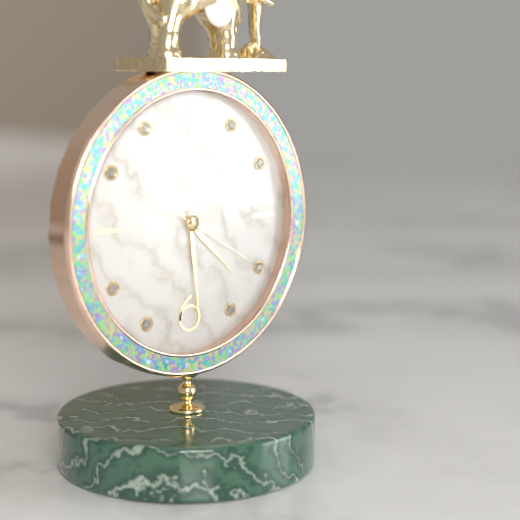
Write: 4:29:20
